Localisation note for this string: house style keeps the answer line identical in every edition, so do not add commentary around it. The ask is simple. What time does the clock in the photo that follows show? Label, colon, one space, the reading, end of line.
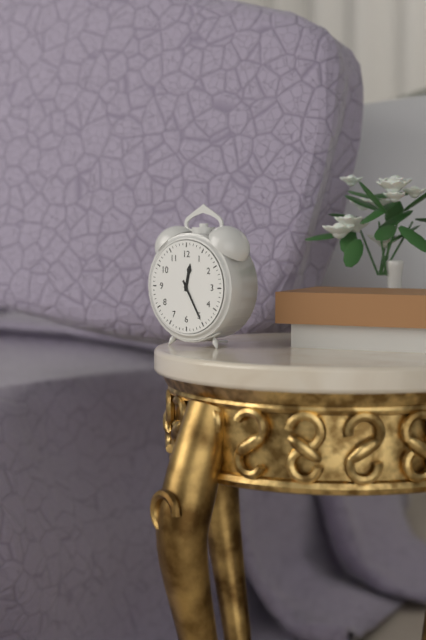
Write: 12:25
